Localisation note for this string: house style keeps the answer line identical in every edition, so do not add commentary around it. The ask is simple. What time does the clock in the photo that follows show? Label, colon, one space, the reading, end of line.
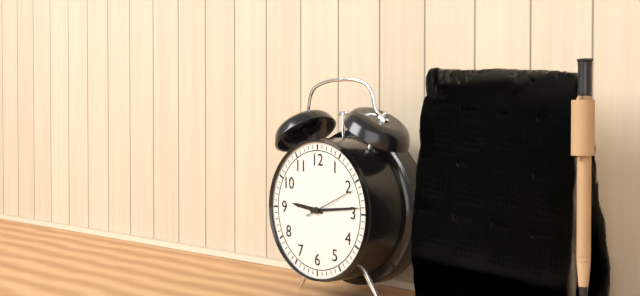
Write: 9:14:11
